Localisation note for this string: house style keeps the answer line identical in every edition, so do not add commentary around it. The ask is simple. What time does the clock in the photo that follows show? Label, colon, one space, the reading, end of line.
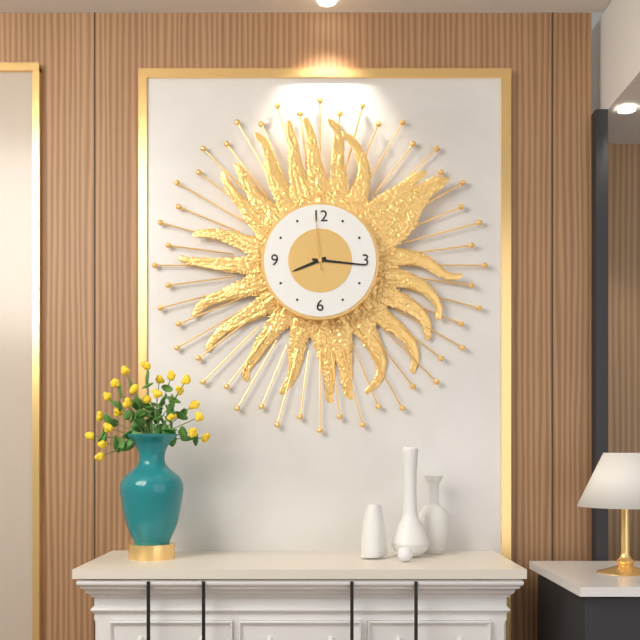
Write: 8:16:59
